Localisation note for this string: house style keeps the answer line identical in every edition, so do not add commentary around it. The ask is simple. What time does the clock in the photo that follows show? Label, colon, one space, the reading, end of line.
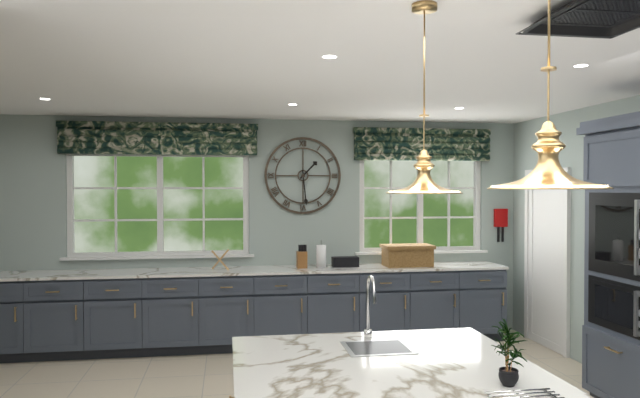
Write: 1:29
